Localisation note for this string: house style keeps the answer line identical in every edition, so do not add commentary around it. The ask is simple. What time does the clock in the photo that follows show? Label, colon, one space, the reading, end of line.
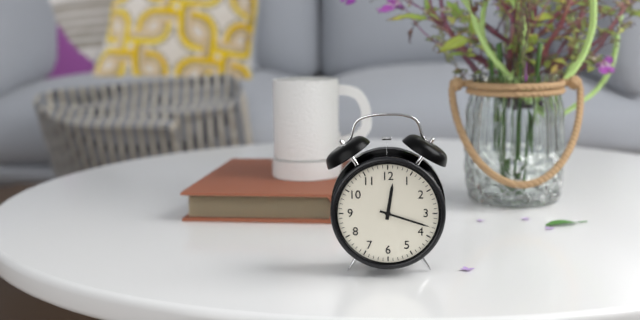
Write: 12:18
